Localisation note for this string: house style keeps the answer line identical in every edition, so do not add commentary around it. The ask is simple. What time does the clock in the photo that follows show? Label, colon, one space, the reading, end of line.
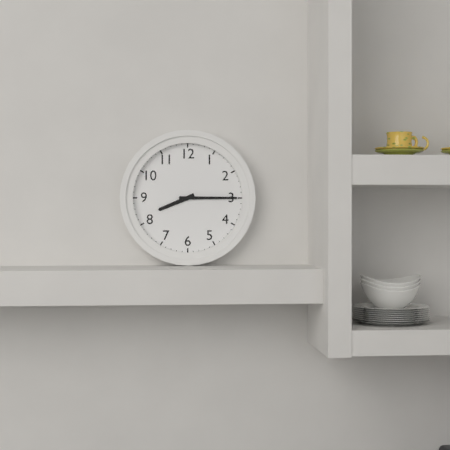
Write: 8:15
